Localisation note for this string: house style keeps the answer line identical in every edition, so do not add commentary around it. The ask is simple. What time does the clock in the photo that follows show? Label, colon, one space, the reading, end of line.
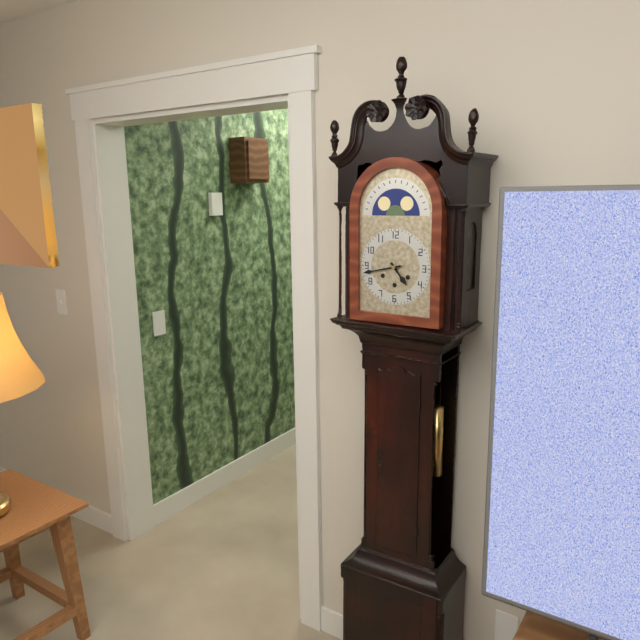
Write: 4:43
